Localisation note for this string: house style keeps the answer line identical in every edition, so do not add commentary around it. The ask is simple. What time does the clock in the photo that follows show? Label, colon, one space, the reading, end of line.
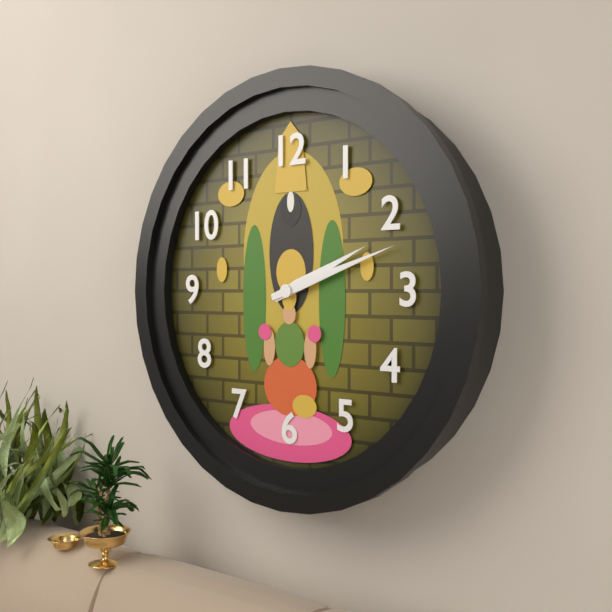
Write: 2:12
